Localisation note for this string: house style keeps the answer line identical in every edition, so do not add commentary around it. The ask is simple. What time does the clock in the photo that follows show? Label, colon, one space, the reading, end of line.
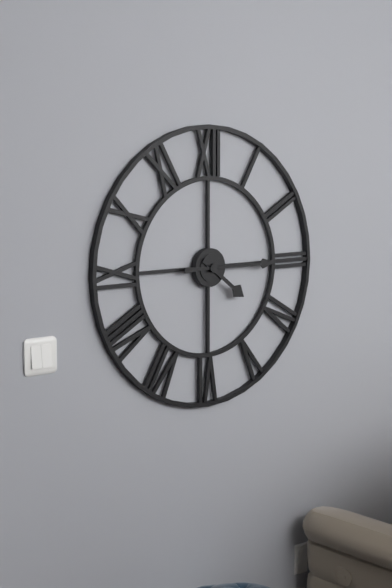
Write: 4:15
